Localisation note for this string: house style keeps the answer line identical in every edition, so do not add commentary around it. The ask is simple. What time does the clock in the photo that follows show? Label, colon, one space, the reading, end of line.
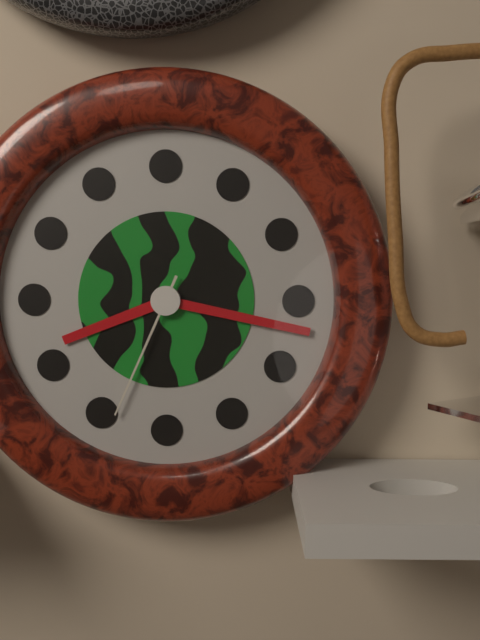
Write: 8:17:34
